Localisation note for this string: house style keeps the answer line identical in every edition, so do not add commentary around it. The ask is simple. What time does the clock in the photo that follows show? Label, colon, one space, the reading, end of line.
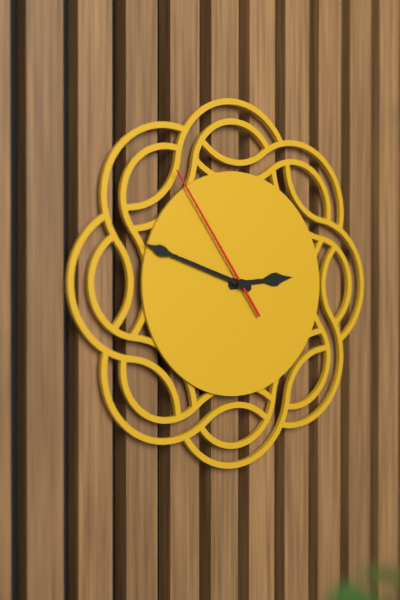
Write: 2:48:54
